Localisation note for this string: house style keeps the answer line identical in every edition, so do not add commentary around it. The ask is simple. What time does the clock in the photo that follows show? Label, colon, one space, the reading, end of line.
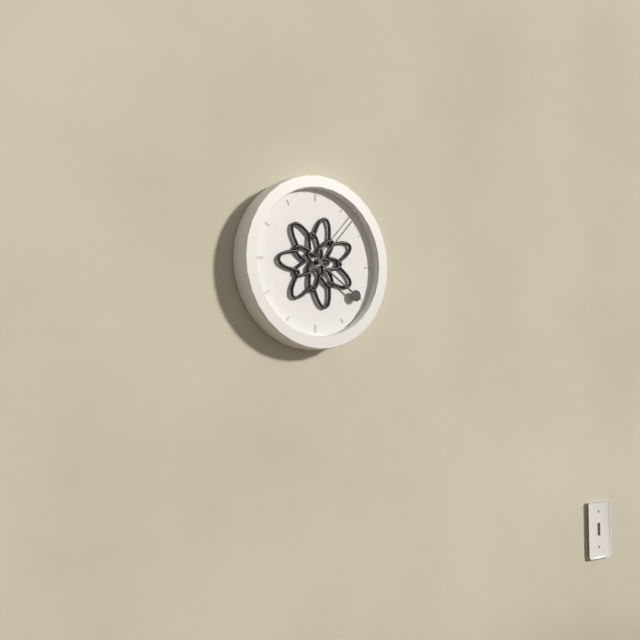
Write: 4:07
